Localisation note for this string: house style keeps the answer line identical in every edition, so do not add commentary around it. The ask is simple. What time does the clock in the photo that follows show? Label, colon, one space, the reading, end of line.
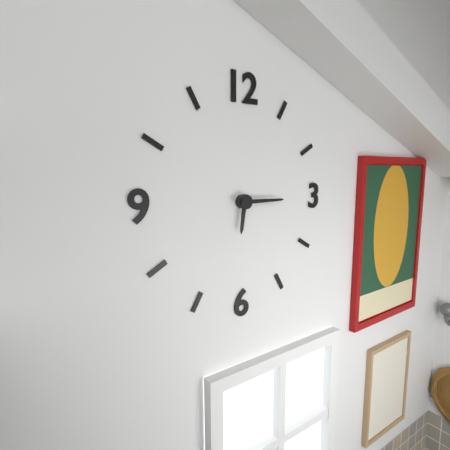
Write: 6:15
